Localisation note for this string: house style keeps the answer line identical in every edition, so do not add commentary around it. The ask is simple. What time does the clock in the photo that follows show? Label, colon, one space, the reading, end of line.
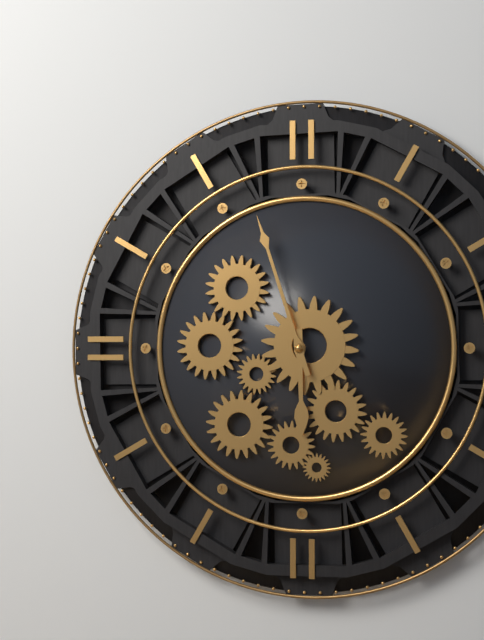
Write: 5:57
